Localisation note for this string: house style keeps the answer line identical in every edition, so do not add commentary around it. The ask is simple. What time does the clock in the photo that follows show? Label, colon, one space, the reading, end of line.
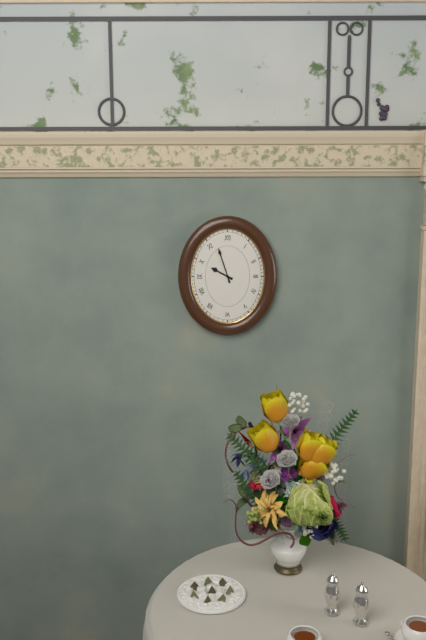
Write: 9:57
